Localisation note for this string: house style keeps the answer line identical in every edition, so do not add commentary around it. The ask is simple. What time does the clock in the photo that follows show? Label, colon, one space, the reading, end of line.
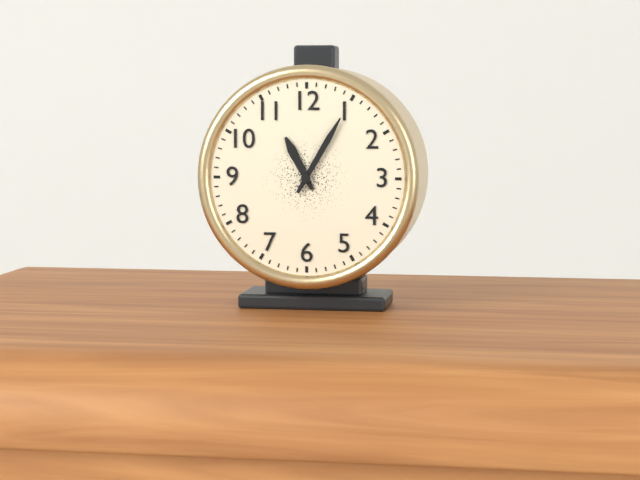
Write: 11:05
